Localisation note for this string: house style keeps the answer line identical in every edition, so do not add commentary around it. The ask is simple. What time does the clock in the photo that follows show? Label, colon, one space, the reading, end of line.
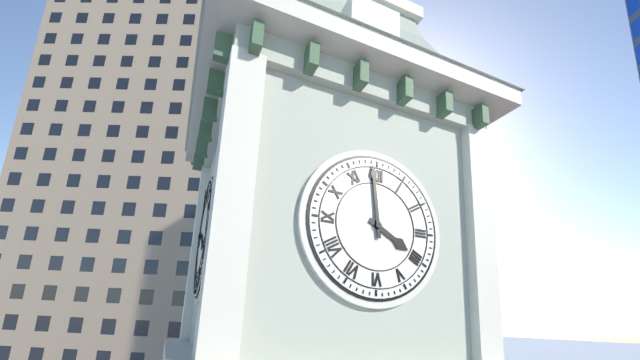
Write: 3:59
